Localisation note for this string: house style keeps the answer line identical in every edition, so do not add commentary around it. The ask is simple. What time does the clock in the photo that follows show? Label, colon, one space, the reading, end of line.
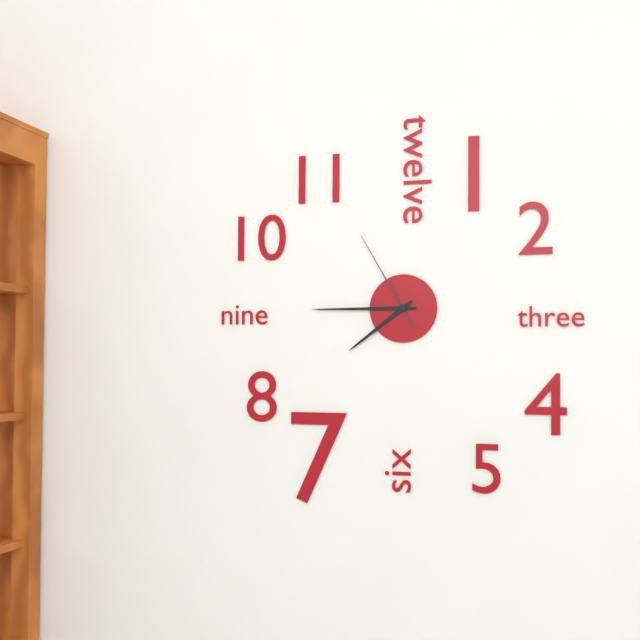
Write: 7:45:55
